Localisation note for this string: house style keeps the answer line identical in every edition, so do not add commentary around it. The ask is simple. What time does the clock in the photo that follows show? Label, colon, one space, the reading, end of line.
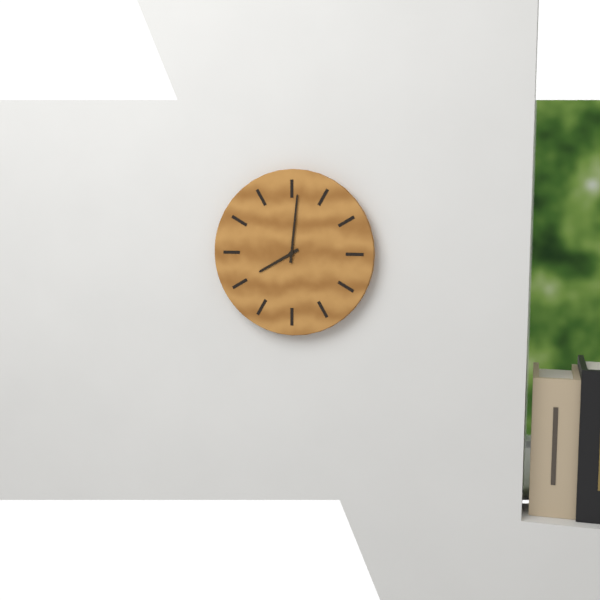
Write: 8:01
